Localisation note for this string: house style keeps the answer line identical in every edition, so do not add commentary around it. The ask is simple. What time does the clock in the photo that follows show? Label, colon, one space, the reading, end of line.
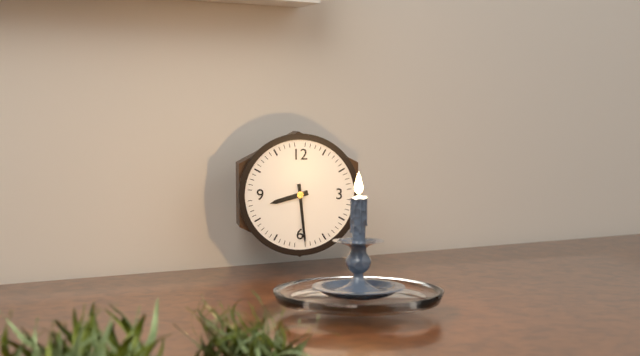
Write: 8:29
